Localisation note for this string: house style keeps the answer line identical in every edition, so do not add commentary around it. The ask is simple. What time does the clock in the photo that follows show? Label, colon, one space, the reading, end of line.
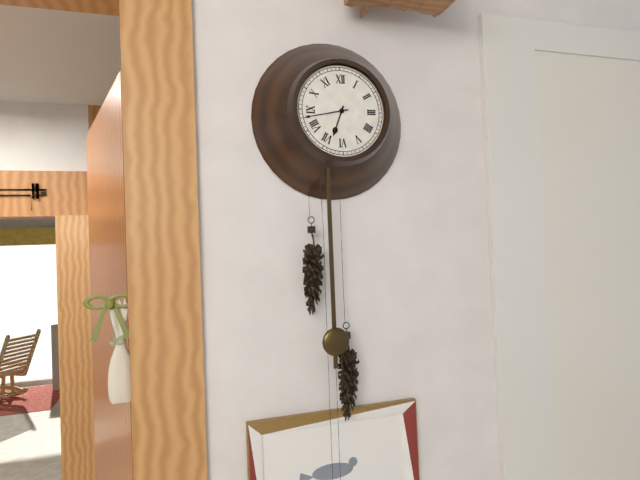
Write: 6:43
